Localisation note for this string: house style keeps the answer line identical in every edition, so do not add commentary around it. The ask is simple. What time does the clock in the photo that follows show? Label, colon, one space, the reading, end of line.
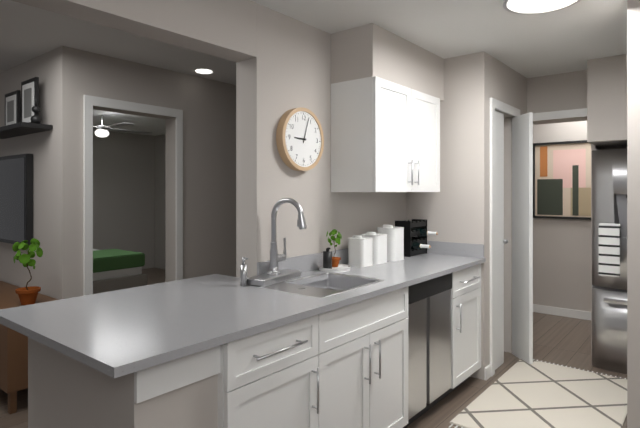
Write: 9:03
